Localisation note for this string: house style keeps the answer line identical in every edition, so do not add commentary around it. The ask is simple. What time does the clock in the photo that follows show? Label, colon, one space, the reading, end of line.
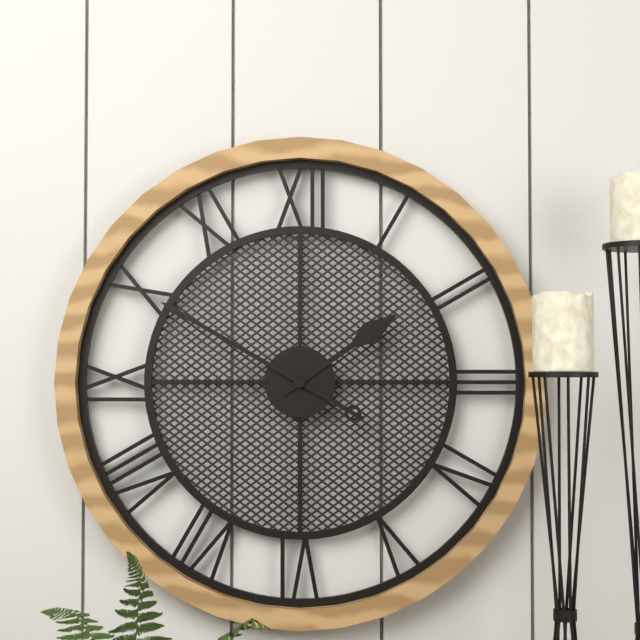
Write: 1:50
